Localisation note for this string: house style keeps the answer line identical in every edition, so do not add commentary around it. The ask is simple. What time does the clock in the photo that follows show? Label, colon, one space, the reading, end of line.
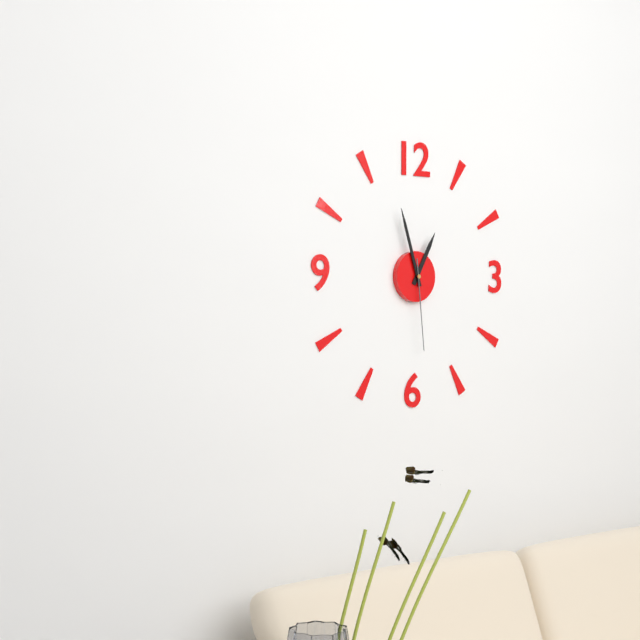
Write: 12:57:29
